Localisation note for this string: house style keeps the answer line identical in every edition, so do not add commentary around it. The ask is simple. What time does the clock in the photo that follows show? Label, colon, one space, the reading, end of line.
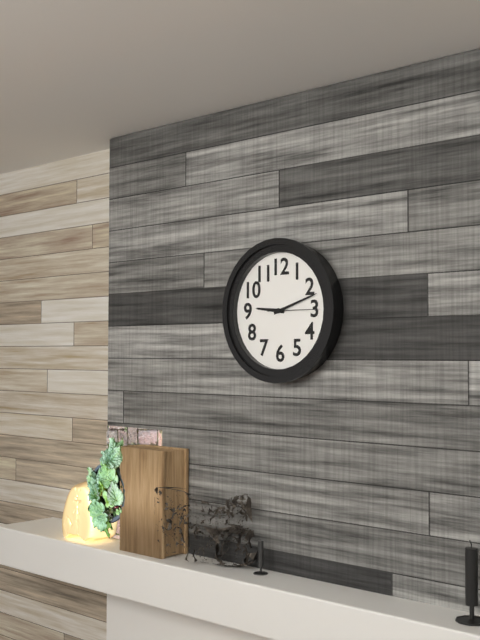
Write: 9:12:15
